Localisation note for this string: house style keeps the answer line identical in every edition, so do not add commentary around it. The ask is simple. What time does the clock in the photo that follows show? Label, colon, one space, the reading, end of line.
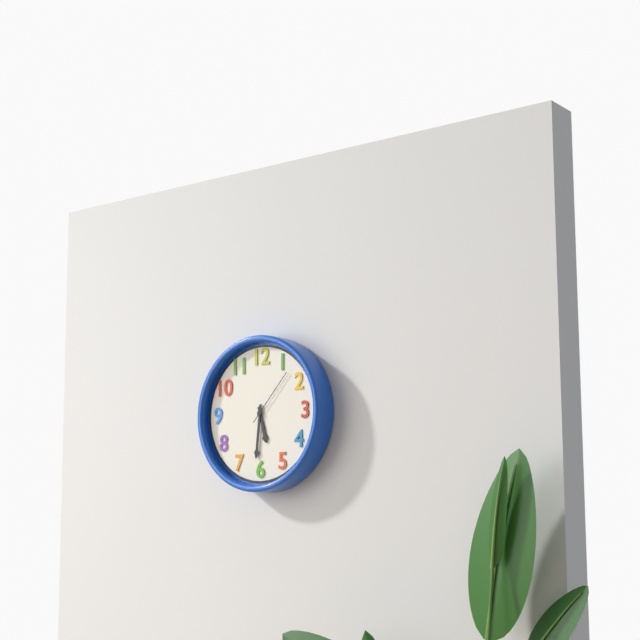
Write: 5:31:07
